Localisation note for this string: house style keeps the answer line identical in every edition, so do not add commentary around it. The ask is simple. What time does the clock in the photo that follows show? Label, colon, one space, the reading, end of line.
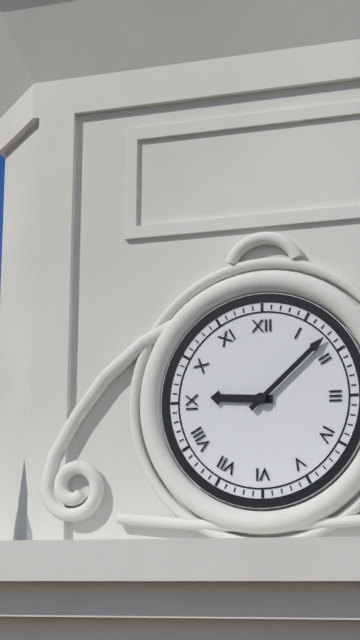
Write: 9:08
